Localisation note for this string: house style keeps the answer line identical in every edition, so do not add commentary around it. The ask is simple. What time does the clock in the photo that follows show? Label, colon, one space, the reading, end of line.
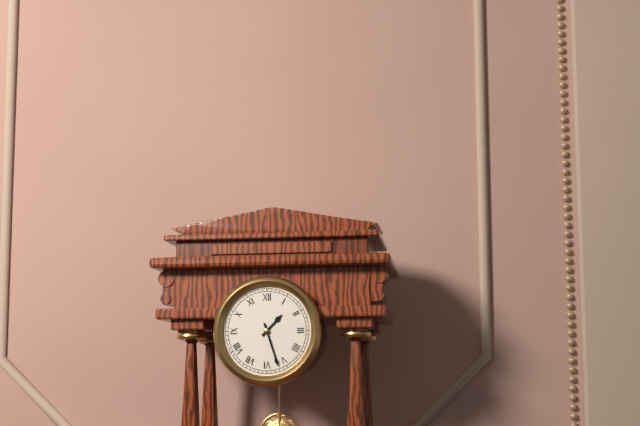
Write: 1:27
